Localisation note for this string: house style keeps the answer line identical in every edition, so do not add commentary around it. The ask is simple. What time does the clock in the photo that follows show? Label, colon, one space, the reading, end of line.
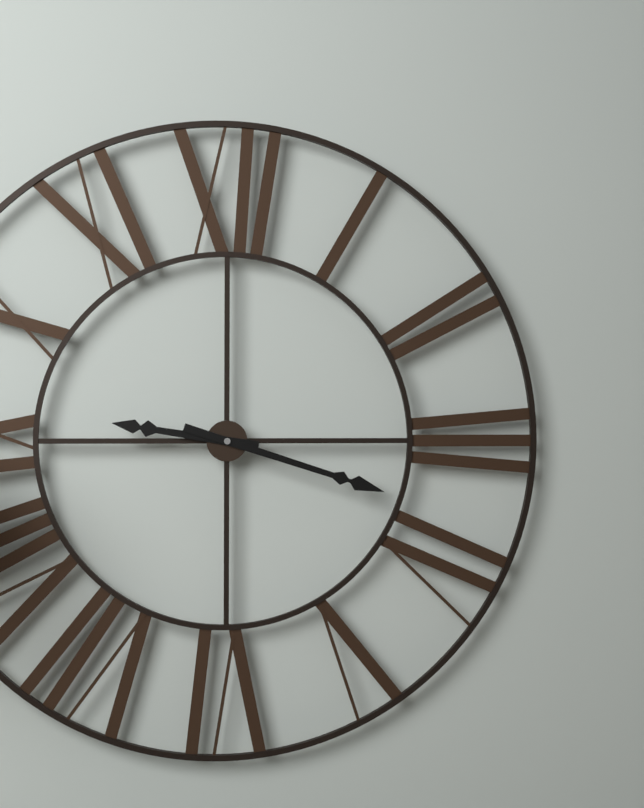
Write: 9:18
